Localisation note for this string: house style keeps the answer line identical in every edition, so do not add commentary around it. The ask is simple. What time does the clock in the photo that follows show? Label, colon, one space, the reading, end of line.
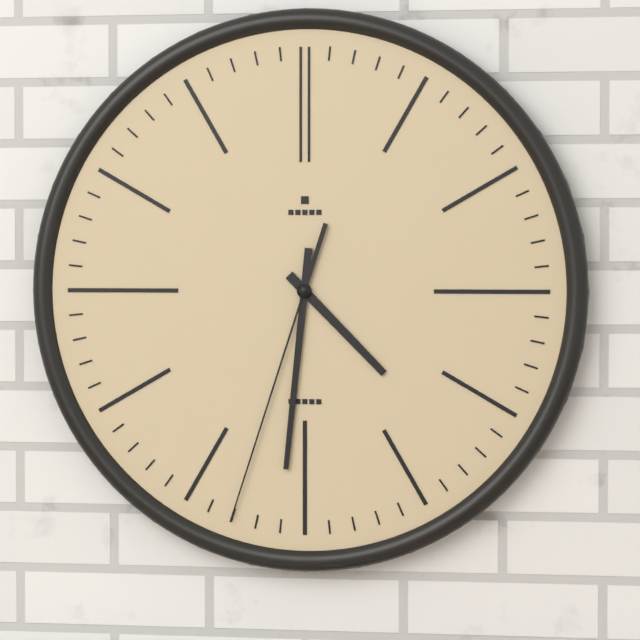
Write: 4:31:33
